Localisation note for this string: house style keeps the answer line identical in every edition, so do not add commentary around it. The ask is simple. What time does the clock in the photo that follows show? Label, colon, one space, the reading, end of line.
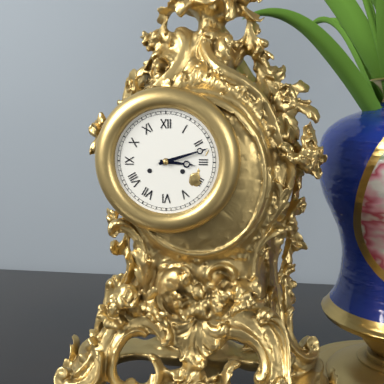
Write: 3:12
